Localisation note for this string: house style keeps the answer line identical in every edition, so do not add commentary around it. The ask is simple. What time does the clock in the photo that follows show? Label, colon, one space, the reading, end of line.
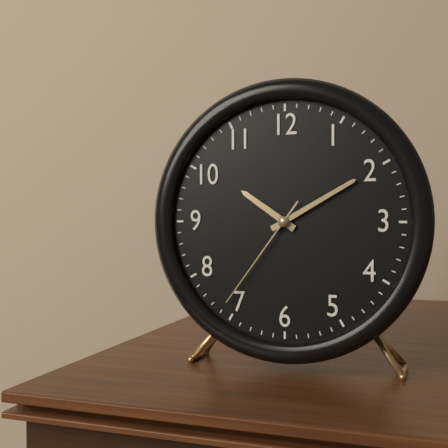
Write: 10:10:36
